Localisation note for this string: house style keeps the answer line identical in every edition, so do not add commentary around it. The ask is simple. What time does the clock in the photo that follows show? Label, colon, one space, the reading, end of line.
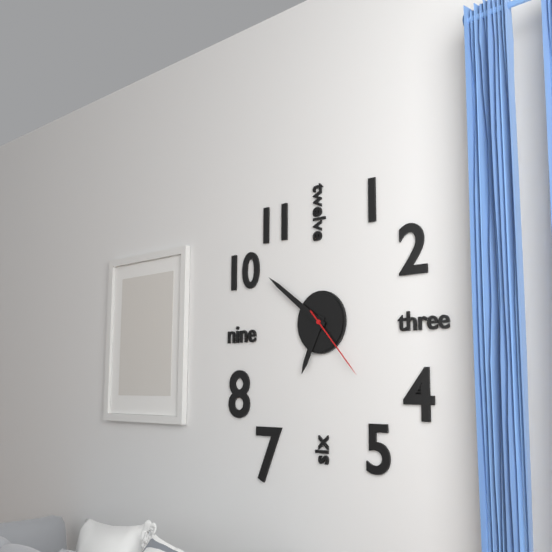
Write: 6:51:23
